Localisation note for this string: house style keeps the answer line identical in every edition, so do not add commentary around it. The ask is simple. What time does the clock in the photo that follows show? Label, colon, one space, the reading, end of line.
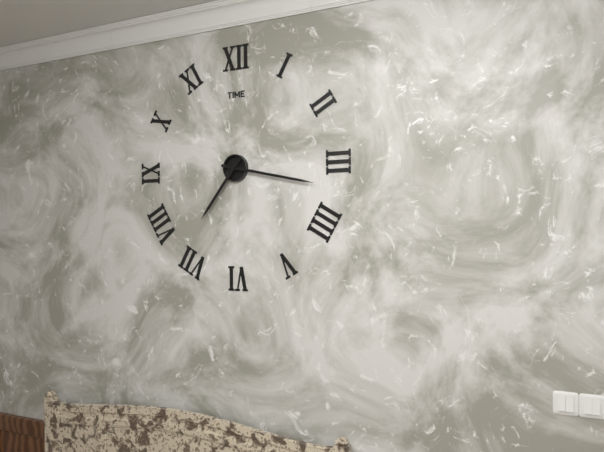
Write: 7:17
